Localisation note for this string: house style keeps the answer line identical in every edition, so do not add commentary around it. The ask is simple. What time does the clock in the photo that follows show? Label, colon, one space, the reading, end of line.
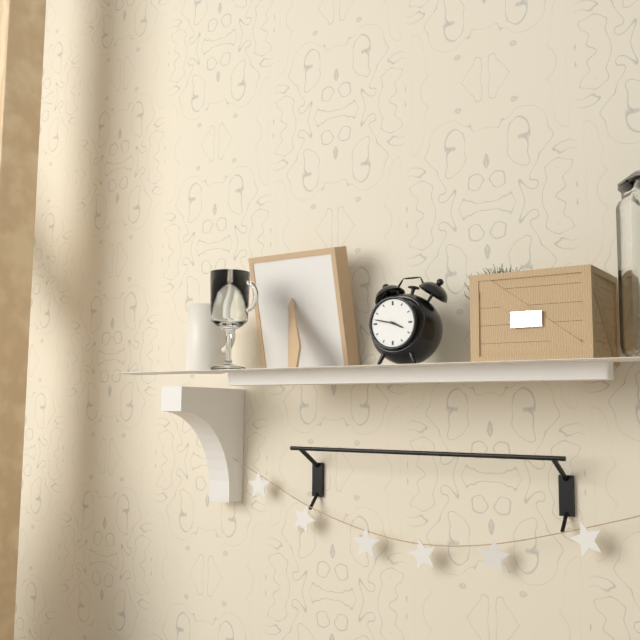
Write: 3:47
